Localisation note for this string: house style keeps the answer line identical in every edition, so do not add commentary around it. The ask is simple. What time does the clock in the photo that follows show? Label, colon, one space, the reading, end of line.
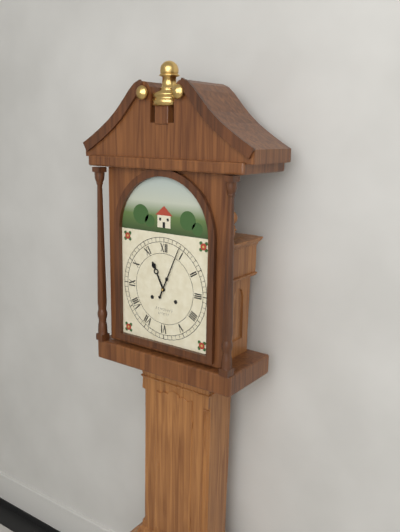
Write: 11:04
